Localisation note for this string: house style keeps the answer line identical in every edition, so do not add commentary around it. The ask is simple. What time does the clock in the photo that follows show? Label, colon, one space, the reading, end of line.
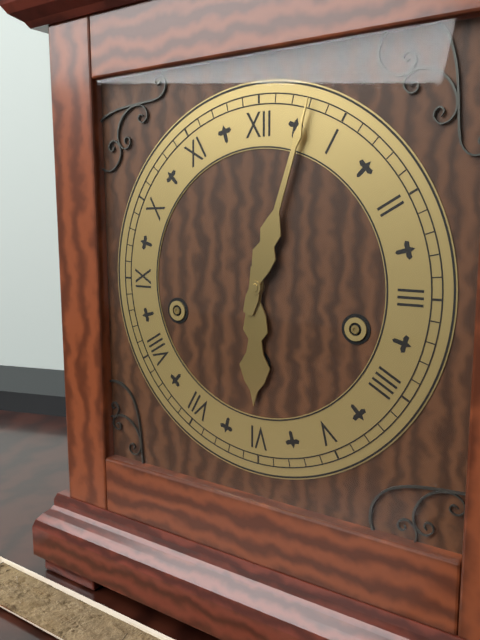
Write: 6:03
